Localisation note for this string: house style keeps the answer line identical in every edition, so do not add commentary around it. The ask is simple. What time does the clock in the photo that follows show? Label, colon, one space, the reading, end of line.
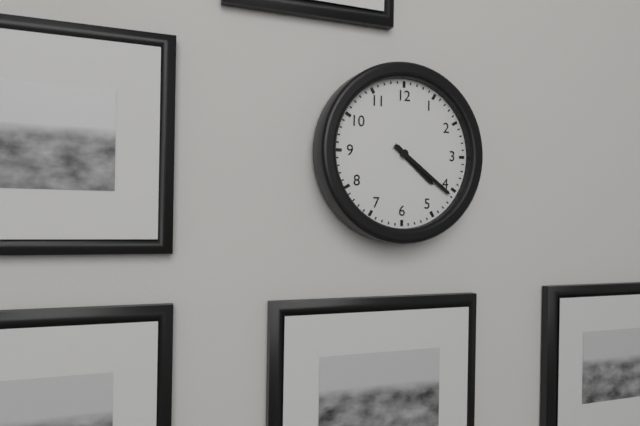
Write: 4:21
